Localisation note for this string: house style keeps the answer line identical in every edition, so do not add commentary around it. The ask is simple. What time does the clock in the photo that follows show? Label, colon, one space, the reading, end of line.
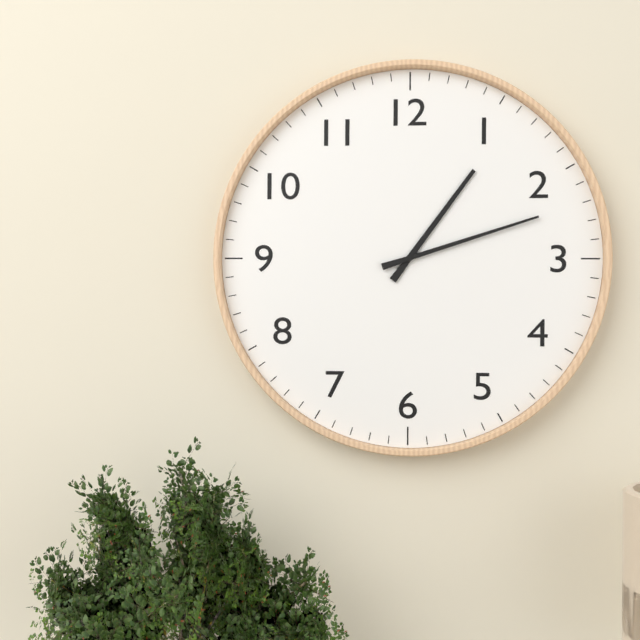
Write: 1:12
